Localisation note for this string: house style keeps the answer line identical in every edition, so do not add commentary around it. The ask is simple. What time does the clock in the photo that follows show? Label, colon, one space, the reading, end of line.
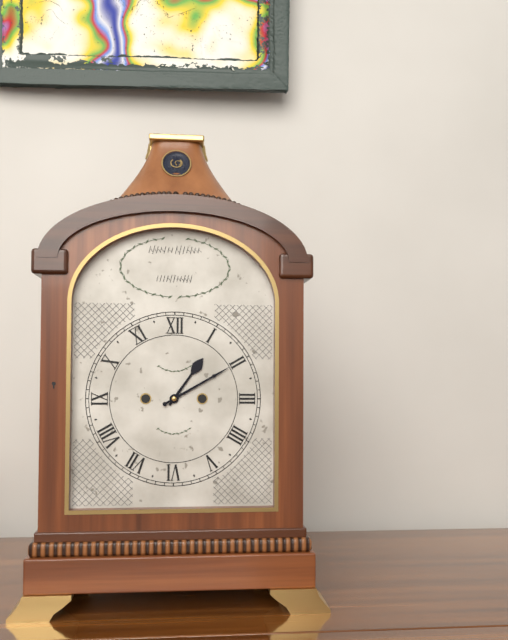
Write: 1:10
